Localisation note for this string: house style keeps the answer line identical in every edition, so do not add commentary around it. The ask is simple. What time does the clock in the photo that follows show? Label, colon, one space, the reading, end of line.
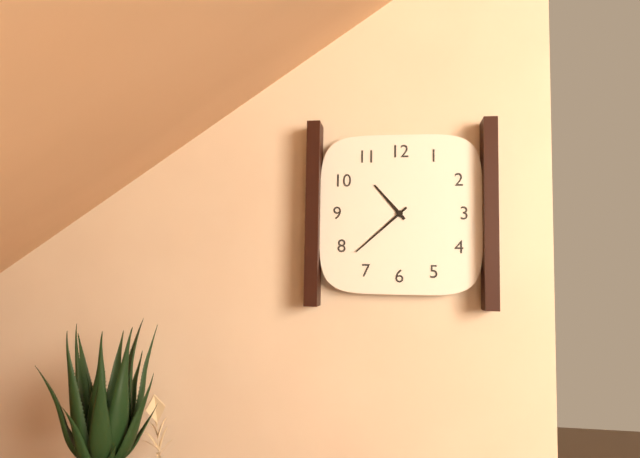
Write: 10:38
